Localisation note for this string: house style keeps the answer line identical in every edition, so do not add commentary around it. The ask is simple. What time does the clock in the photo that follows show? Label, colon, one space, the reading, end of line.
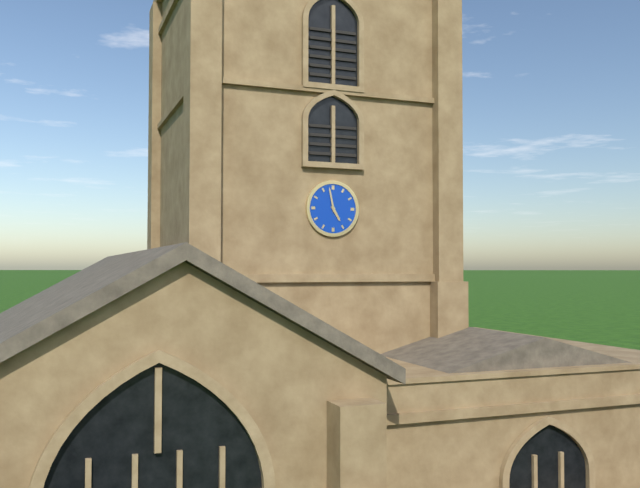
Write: 4:58
